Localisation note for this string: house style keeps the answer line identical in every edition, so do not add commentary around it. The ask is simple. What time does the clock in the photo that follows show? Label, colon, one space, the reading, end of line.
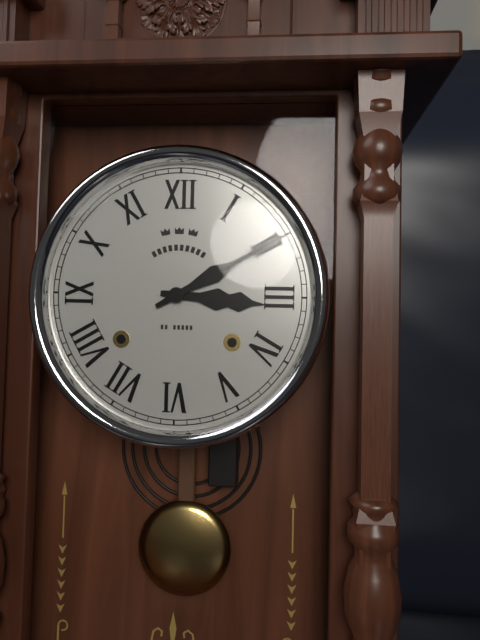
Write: 3:10
